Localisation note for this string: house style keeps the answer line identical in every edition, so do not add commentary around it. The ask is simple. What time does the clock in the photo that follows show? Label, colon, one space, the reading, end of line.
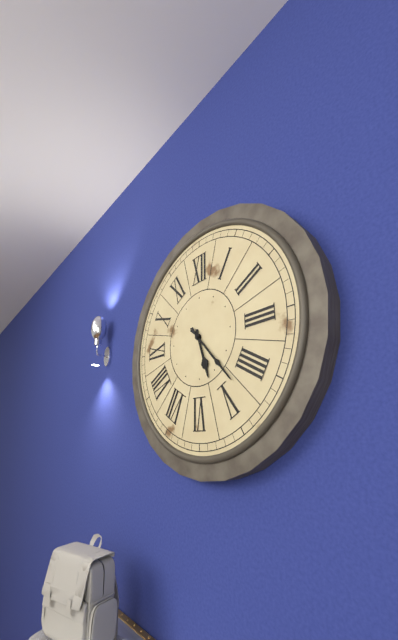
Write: 5:23
